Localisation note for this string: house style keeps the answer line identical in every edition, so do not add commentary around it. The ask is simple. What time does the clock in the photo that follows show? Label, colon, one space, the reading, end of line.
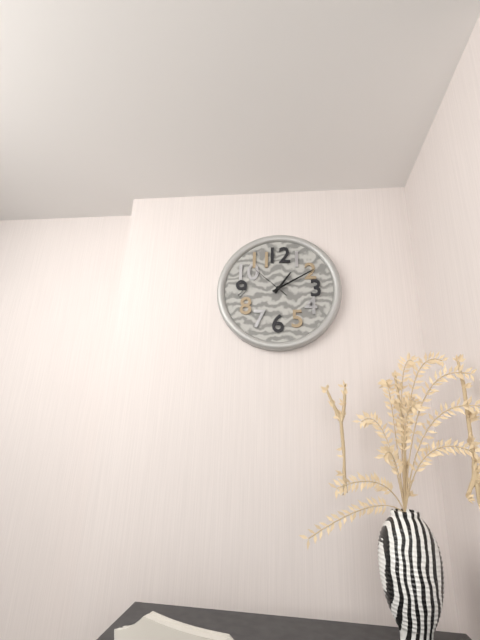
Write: 1:10
